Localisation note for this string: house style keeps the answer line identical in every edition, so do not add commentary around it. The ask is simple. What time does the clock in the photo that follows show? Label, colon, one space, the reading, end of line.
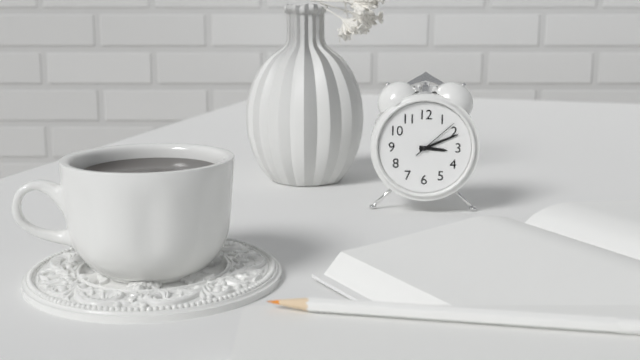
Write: 3:11:08
